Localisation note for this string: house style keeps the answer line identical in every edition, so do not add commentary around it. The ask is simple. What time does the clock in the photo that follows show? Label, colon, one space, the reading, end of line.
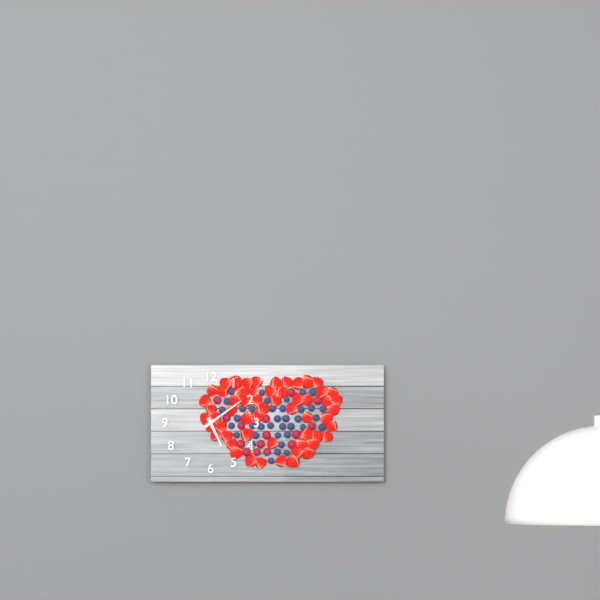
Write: 5:09
